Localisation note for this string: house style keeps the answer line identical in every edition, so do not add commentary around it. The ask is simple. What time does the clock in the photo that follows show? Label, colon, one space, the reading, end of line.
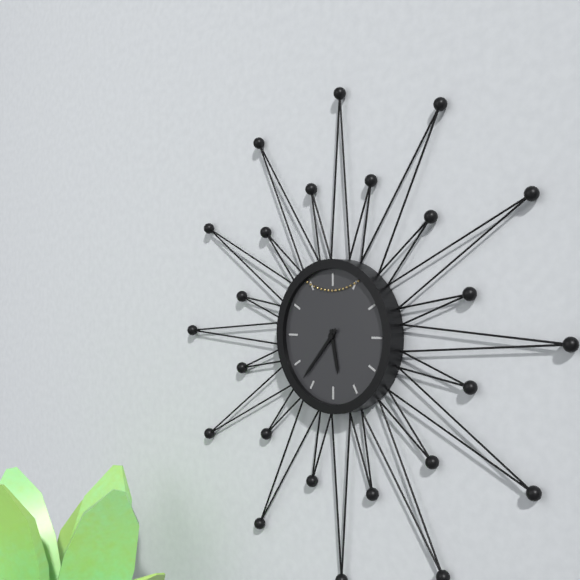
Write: 5:37
